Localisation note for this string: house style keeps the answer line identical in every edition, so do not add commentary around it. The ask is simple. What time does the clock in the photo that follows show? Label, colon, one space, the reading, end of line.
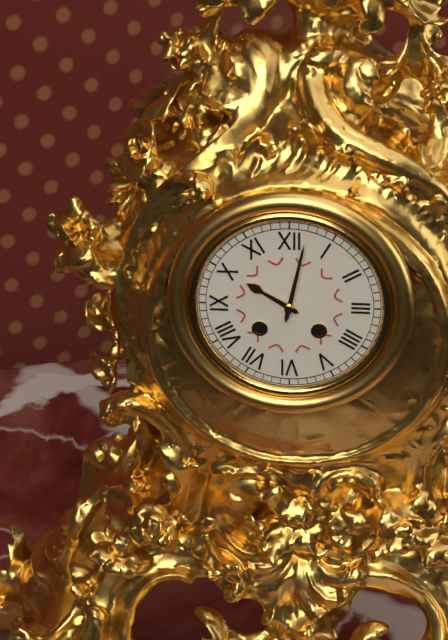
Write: 10:02
